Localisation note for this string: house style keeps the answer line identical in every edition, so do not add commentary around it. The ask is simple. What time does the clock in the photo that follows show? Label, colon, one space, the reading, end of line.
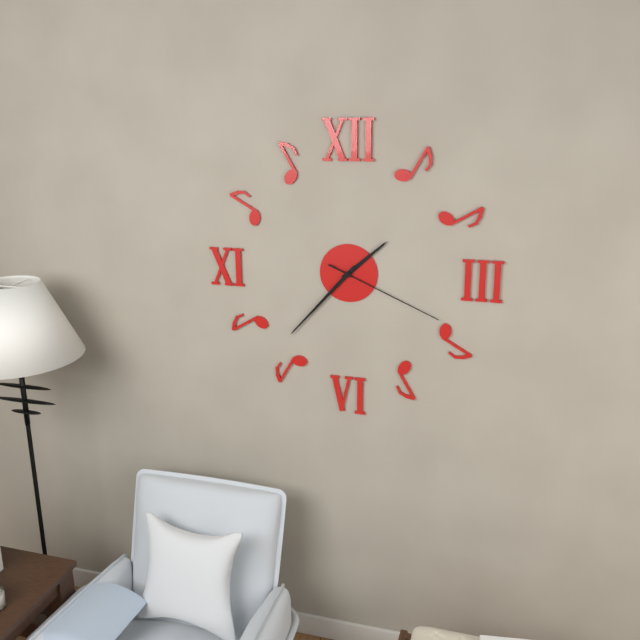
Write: 1:37:19
